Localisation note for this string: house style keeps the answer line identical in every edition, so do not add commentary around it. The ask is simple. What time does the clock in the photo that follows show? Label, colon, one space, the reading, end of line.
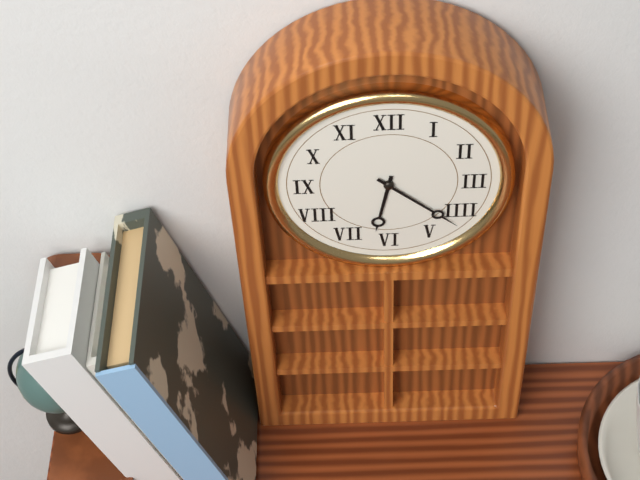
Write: 6:22
